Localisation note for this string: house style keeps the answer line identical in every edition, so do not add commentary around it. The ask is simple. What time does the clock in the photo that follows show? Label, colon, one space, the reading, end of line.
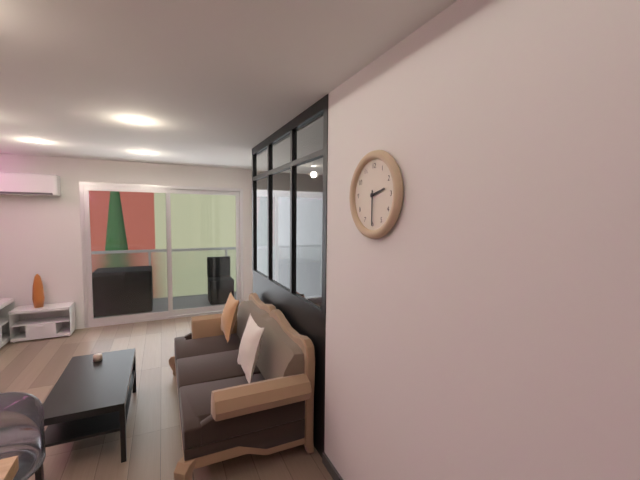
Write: 2:30
